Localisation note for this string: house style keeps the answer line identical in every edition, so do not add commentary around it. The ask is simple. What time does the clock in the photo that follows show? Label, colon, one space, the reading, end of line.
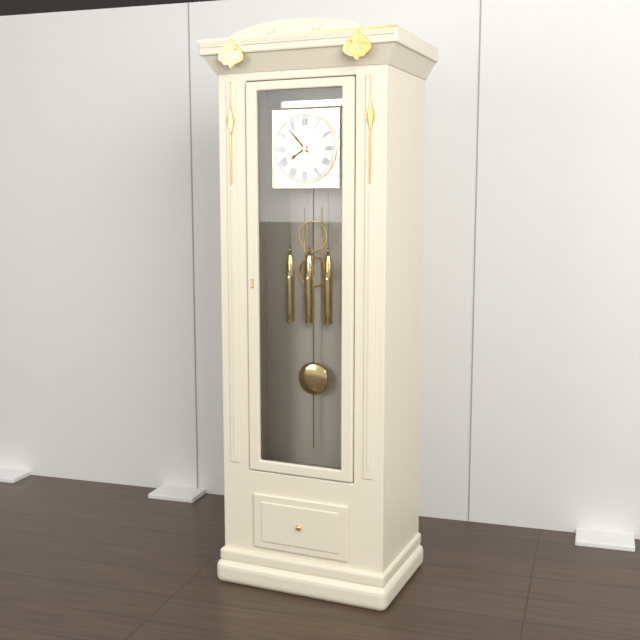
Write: 7:53
